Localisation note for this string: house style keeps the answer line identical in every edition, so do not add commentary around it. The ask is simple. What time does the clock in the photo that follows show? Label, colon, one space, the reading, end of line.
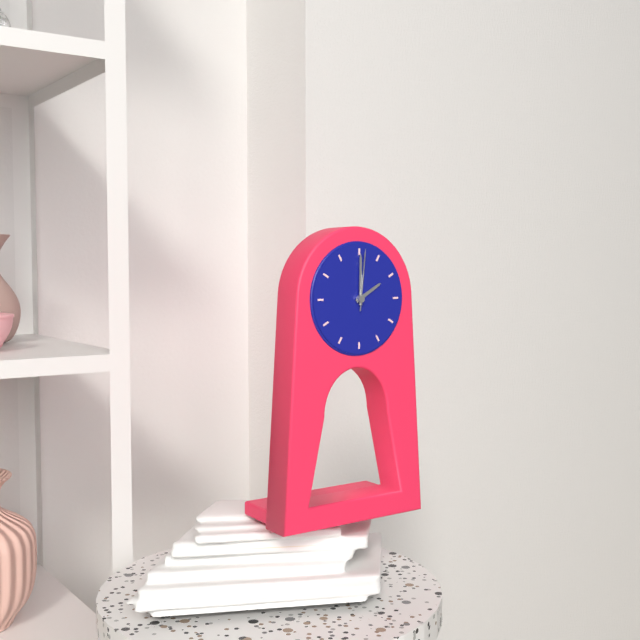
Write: 2:00:01
